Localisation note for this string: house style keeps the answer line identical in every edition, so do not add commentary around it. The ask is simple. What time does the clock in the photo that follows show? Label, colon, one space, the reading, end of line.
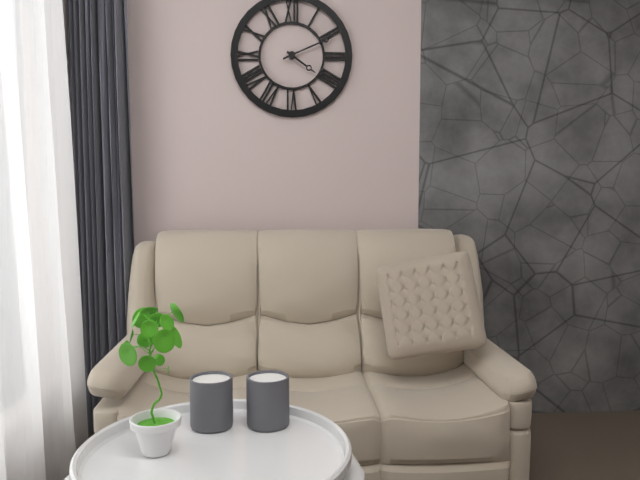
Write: 4:11
